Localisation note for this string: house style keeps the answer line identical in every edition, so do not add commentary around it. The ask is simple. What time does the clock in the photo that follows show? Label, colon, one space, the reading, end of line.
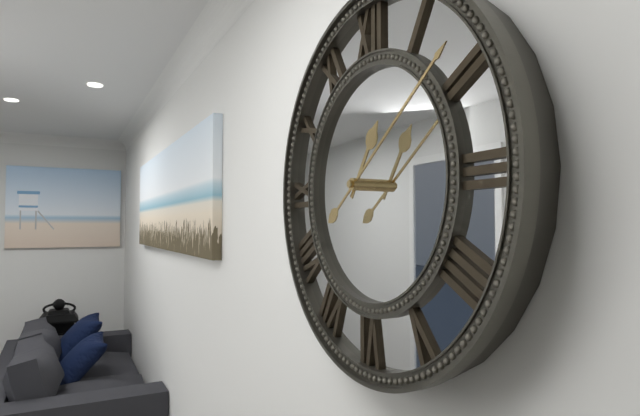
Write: 1:09
